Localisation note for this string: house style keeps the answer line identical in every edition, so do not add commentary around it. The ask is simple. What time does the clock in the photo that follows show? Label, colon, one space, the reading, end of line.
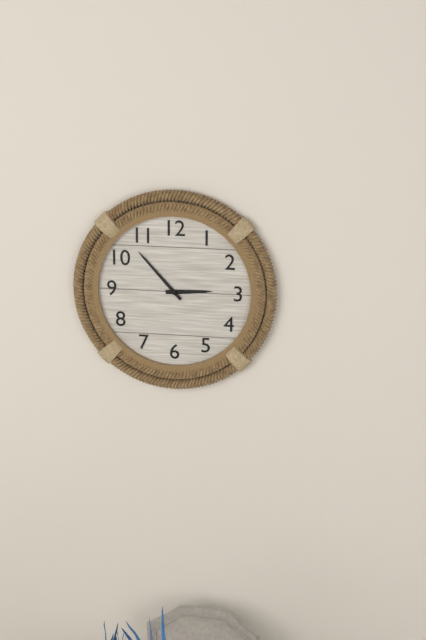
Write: 2:53
